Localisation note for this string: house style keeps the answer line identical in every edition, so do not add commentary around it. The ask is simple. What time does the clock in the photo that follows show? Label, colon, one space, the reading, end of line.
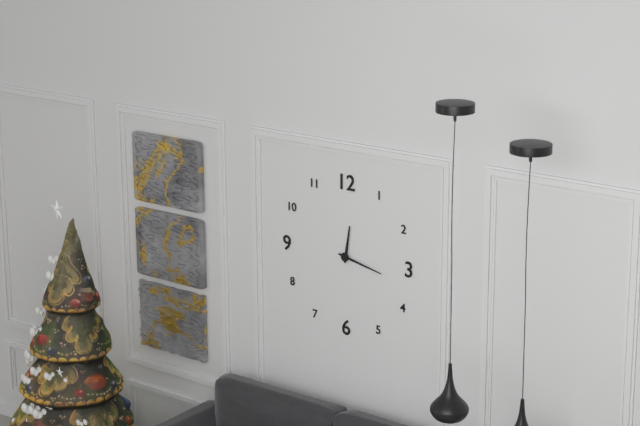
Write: 12:17
